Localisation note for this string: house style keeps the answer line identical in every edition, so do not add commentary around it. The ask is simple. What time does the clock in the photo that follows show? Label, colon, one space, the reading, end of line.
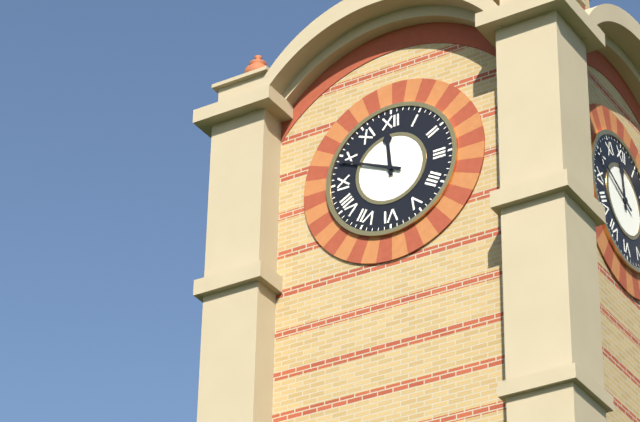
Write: 11:49
